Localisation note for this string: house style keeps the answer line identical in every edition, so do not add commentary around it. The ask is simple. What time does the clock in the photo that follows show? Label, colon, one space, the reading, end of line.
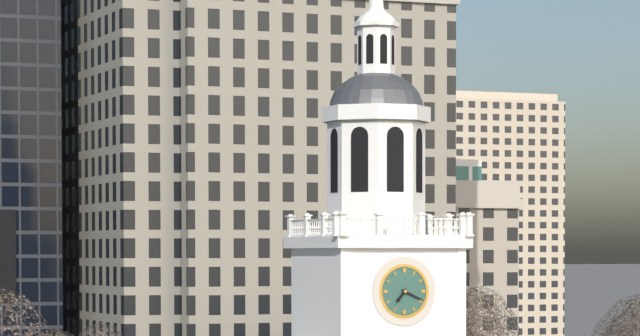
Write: 7:19
